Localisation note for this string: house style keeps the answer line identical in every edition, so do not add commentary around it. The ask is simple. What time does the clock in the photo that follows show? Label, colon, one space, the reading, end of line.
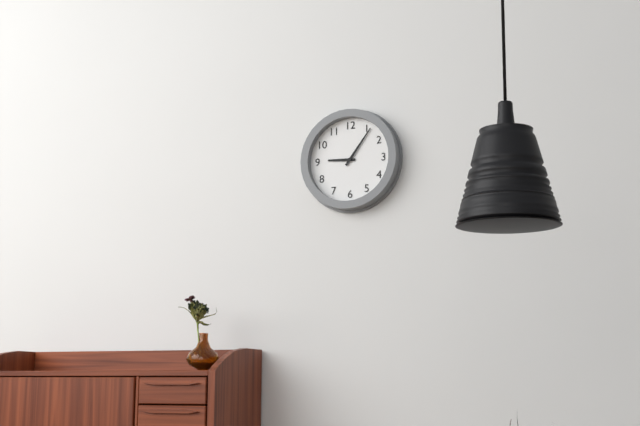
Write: 9:06
